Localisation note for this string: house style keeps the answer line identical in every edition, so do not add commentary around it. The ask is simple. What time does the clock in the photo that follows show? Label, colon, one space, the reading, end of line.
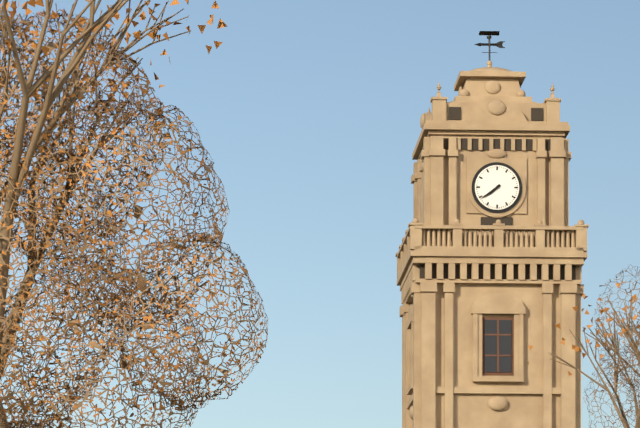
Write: 7:39
